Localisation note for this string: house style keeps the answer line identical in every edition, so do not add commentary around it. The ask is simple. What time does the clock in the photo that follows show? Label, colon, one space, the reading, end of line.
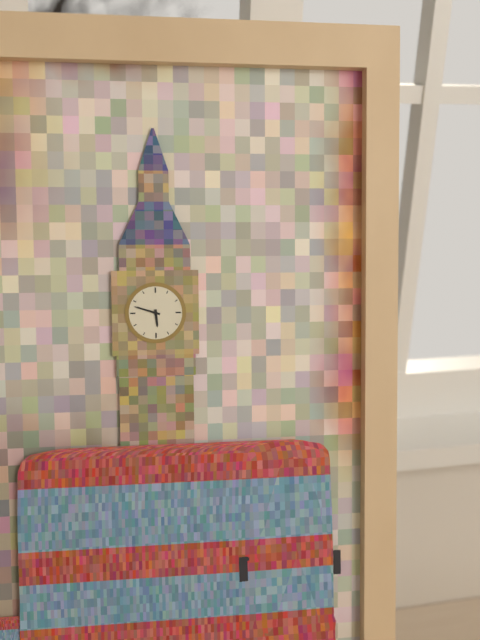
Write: 5:48
